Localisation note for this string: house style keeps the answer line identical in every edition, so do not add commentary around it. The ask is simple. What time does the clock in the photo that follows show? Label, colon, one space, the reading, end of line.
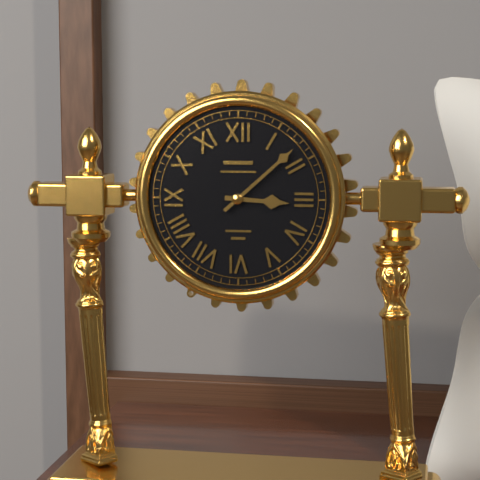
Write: 3:08
